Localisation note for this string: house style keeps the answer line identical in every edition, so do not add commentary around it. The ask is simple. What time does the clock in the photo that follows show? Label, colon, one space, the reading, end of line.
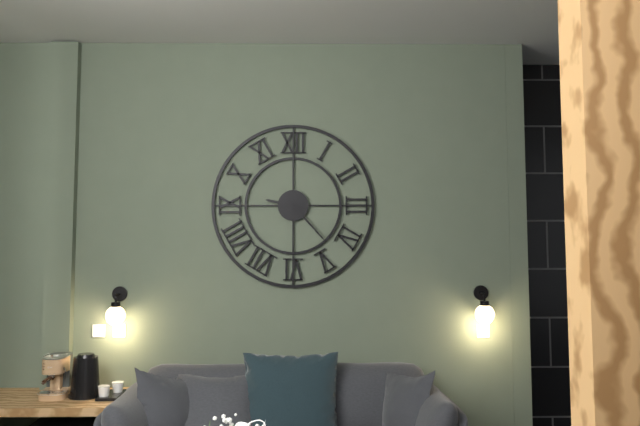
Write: 9:23
